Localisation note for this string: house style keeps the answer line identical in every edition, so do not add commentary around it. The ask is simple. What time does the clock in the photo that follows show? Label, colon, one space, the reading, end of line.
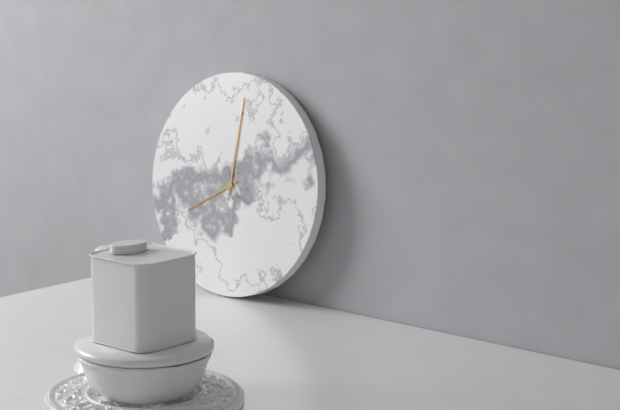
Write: 8:01
